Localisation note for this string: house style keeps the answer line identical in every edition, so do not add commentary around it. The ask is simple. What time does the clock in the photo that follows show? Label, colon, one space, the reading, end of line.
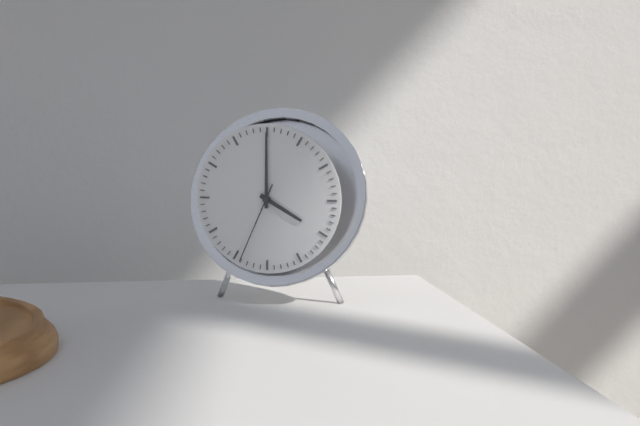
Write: 4:00:34
